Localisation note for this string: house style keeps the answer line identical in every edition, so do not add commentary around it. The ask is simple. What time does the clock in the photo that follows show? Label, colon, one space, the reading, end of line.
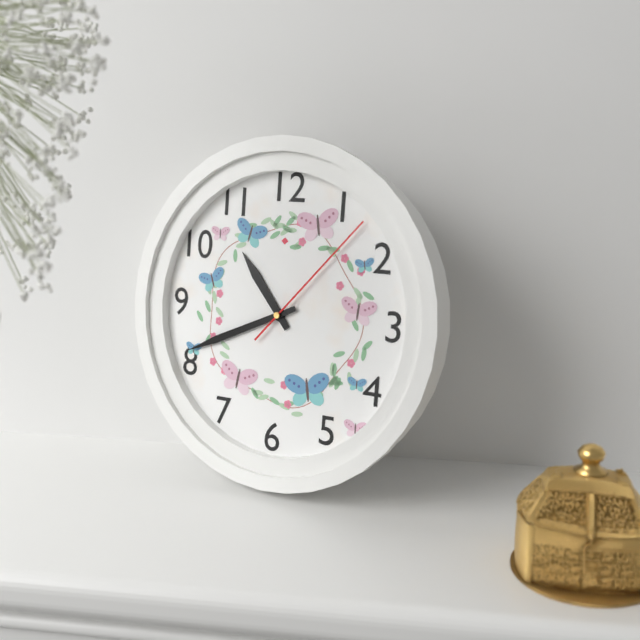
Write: 10:41:07
